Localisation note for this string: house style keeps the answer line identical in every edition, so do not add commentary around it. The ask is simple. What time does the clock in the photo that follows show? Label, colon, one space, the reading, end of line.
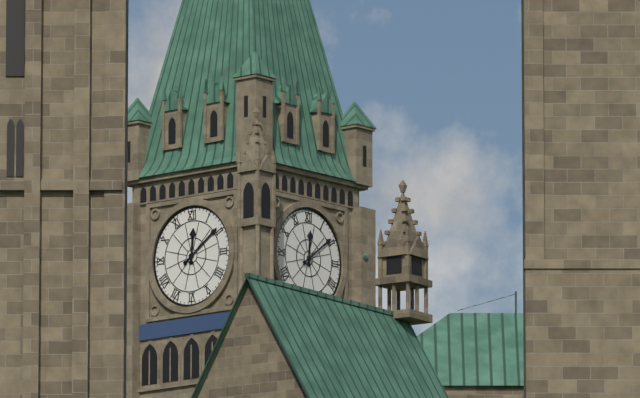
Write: 12:09
